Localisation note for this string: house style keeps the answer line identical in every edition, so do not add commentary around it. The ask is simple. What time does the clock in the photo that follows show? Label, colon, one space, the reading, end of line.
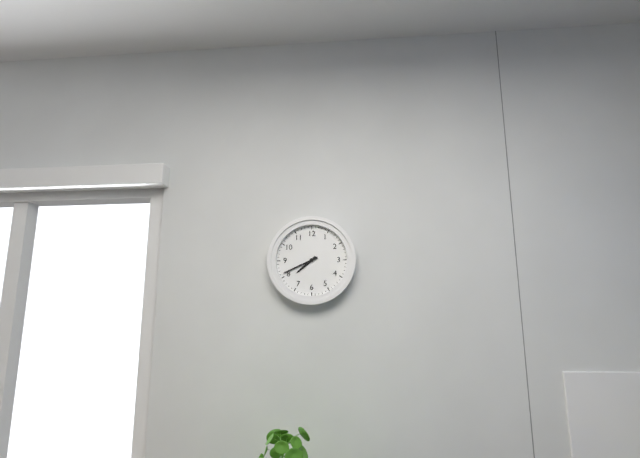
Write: 7:41
